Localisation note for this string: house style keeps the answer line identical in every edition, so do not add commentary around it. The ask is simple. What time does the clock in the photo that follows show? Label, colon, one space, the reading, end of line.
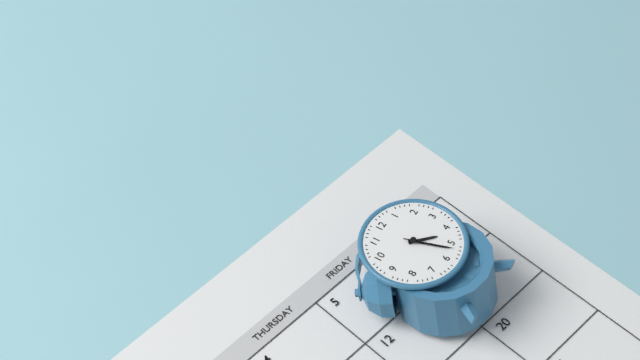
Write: 4:27:27
